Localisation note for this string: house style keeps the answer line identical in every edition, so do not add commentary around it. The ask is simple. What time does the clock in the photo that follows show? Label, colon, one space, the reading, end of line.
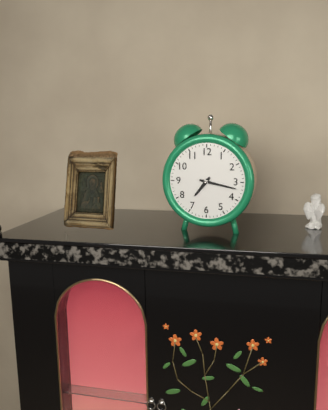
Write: 7:17
